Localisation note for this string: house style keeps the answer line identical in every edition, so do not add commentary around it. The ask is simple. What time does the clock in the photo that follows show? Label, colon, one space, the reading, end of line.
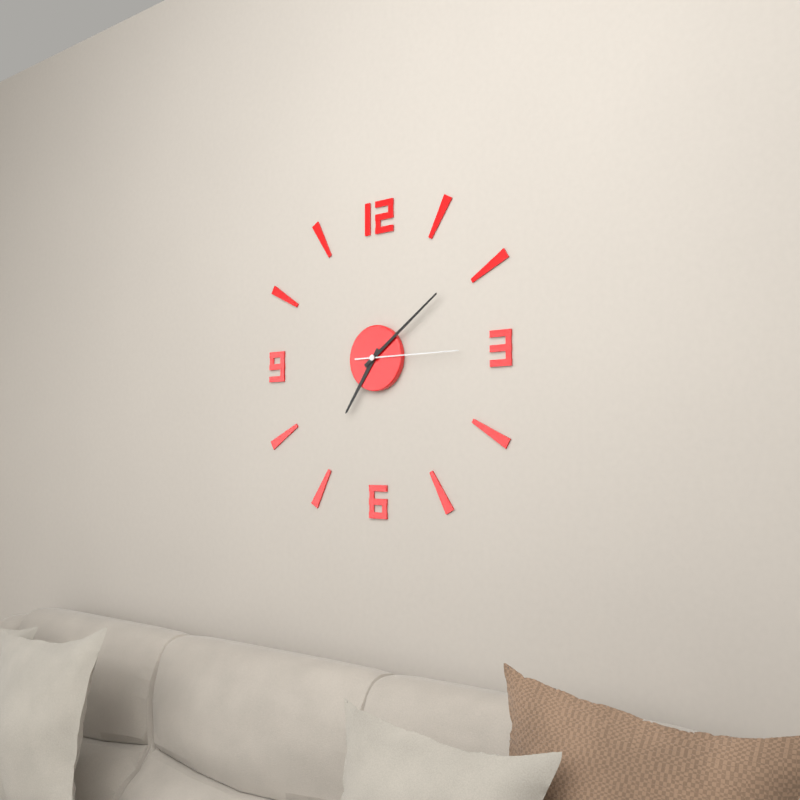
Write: 7:09:15
